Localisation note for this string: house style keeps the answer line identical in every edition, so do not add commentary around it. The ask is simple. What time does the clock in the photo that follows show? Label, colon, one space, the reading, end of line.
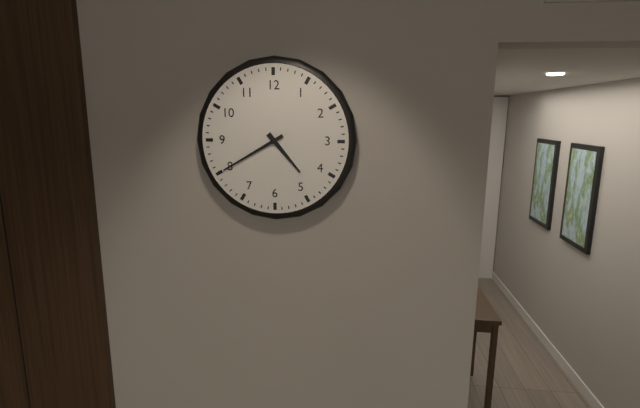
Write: 4:40
